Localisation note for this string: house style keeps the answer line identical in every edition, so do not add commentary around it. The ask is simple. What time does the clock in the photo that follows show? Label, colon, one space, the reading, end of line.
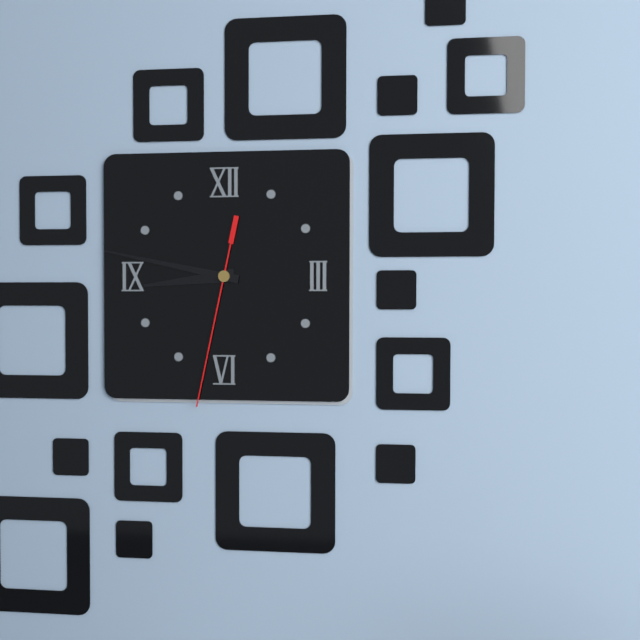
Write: 8:47:32
